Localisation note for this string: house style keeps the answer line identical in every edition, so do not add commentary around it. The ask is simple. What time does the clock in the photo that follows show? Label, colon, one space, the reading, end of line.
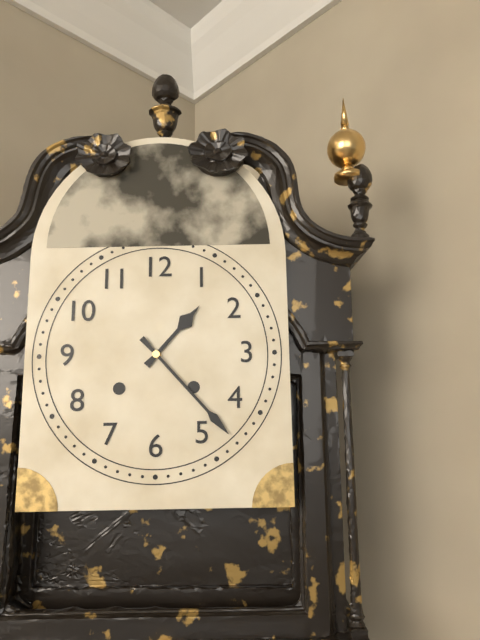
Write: 1:23
